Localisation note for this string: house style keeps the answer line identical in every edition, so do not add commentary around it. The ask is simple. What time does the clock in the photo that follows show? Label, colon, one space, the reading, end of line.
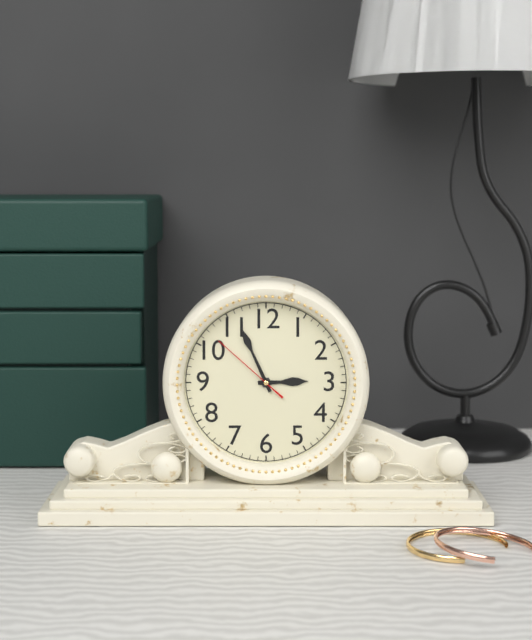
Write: 2:56:52
